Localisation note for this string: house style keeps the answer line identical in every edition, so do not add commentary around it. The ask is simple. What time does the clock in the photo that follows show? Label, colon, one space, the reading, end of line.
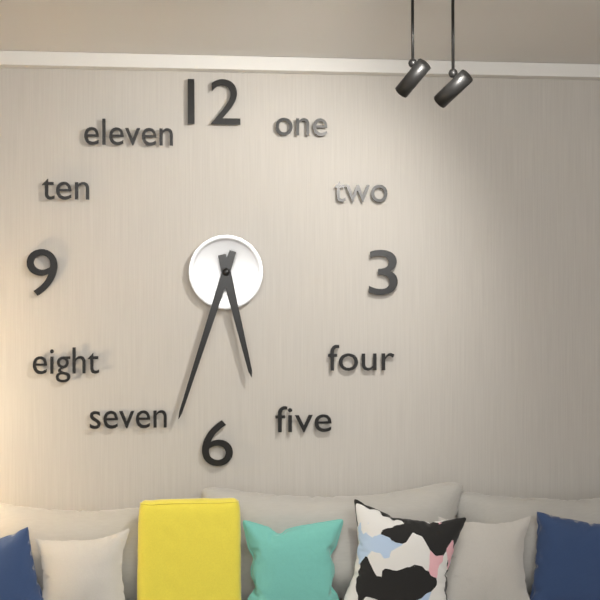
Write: 5:33
